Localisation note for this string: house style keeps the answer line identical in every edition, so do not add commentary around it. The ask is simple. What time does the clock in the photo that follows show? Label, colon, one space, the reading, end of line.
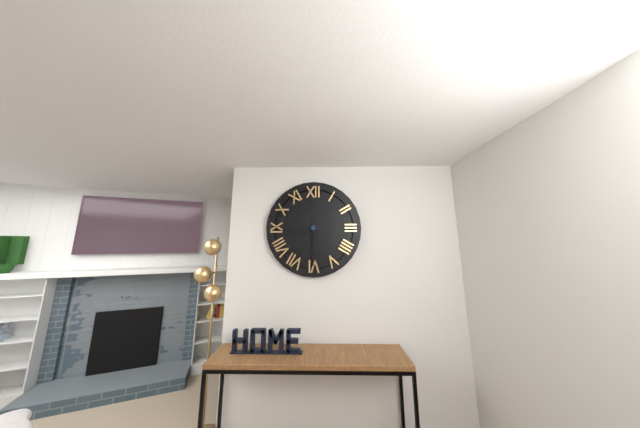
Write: 8:30
